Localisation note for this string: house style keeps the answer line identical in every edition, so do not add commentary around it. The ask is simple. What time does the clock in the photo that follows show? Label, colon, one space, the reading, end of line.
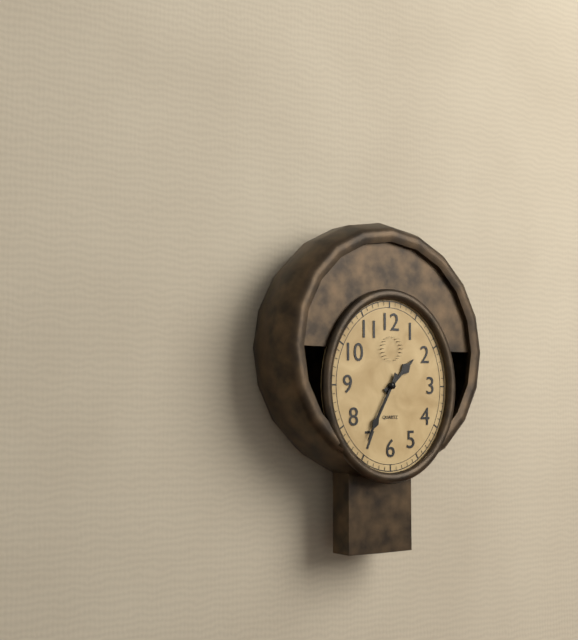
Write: 1:35
